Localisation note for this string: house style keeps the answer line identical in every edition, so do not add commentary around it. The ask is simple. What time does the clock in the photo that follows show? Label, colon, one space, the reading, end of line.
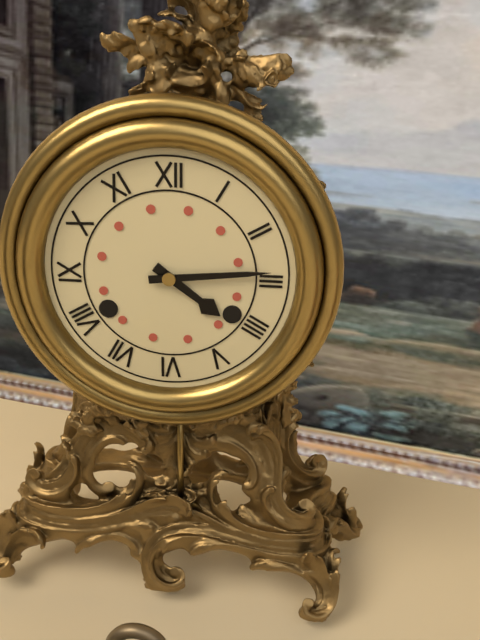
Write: 4:14
